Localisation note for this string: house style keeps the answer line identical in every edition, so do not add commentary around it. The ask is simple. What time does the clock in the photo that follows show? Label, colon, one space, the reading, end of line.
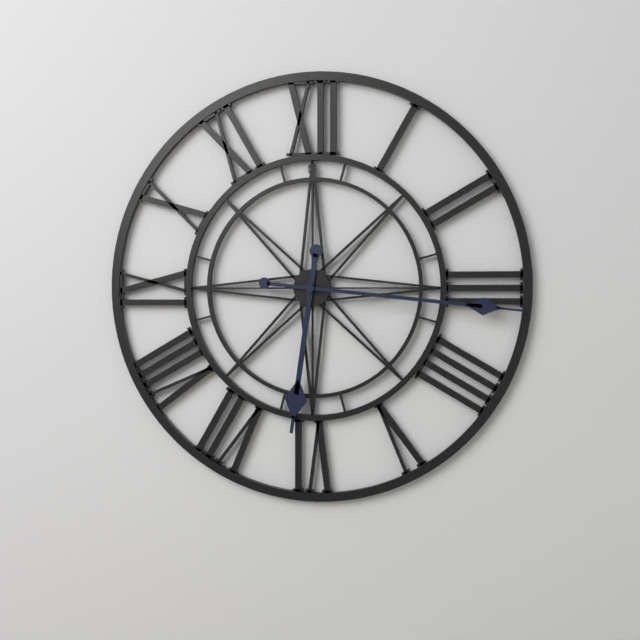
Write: 6:16
